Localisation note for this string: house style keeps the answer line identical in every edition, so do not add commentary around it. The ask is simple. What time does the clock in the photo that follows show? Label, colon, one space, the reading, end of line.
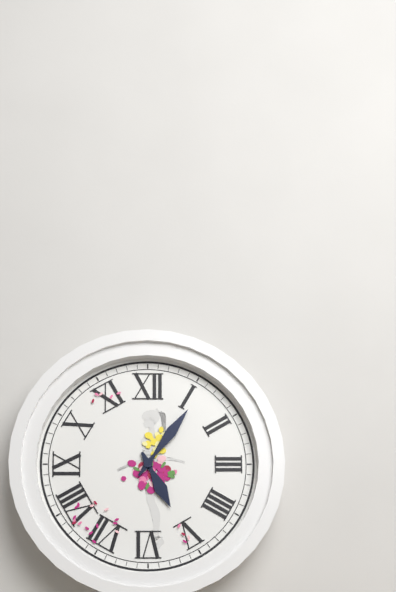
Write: 5:06
